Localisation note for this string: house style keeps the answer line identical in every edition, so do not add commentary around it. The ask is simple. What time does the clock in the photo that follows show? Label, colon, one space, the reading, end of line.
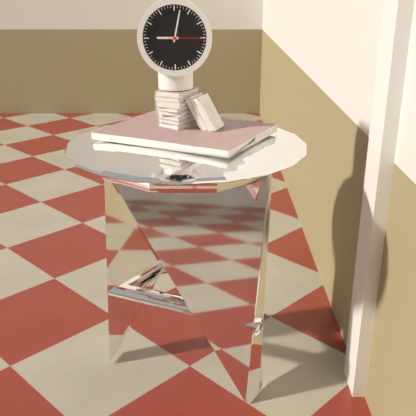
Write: 9:02
